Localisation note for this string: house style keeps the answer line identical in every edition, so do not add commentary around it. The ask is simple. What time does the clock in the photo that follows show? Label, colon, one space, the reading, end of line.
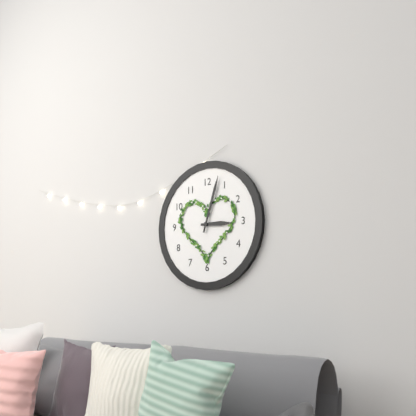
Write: 3:03
